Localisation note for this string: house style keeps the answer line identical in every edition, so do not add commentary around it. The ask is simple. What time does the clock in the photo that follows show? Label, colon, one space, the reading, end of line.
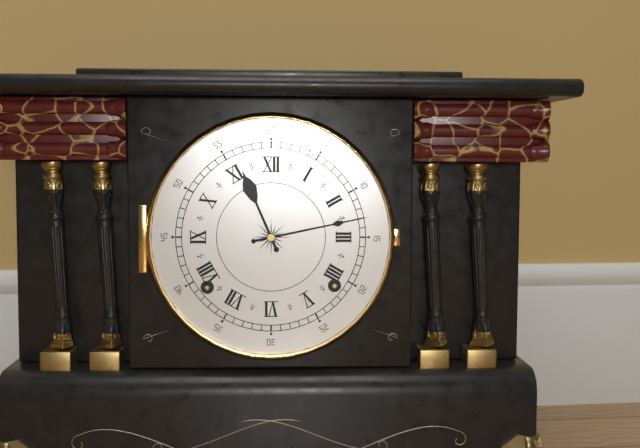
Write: 11:13
